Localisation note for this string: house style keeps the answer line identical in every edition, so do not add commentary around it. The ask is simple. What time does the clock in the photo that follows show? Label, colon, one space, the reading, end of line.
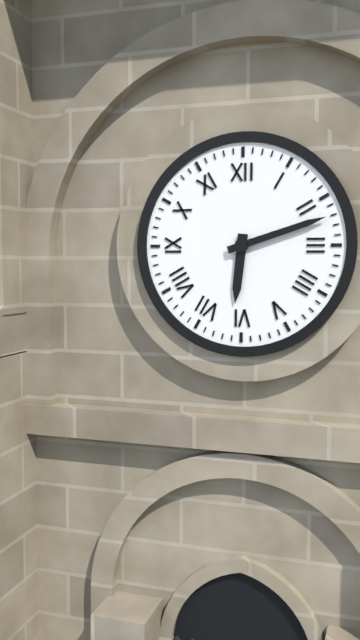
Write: 6:12
